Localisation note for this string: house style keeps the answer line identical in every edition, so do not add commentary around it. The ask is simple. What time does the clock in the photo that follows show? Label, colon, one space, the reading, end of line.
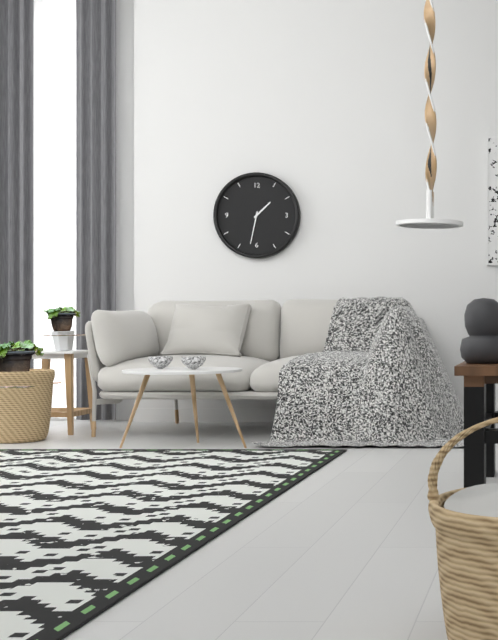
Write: 1:32
